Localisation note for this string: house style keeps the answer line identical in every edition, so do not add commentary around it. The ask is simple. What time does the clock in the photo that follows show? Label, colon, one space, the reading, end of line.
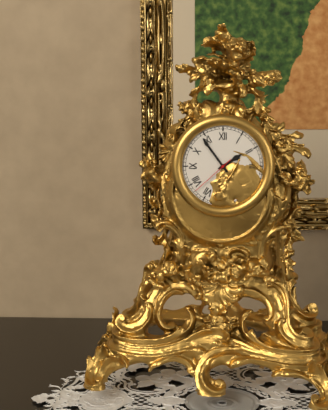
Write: 1:54
